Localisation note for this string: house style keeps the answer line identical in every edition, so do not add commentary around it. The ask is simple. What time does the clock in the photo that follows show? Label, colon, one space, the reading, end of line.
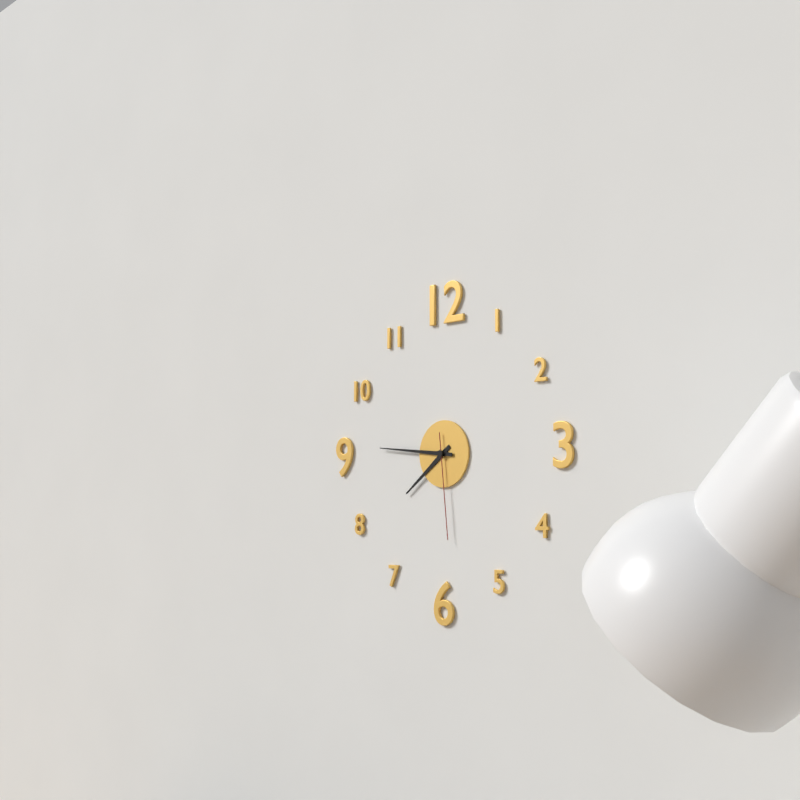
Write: 7:46:29
